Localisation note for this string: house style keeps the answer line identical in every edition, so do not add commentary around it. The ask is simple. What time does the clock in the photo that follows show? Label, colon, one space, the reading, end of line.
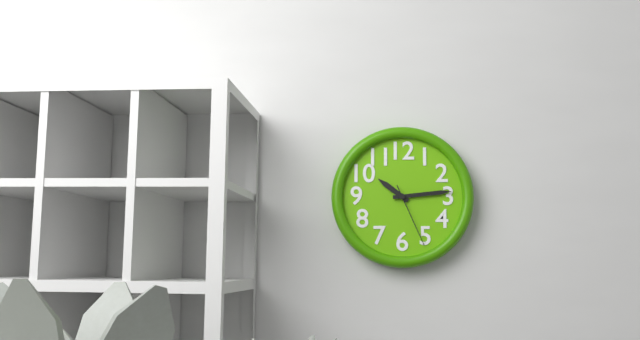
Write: 10:14:26
